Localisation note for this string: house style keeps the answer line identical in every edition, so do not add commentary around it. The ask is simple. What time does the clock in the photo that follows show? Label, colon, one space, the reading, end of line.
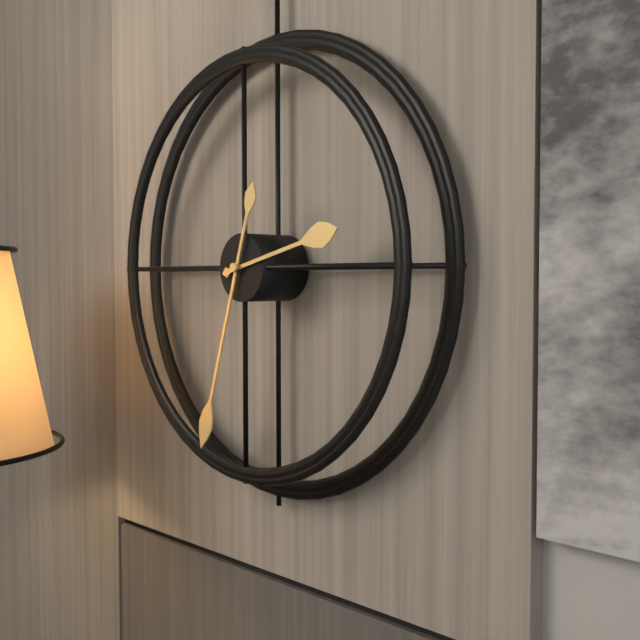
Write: 2:33
